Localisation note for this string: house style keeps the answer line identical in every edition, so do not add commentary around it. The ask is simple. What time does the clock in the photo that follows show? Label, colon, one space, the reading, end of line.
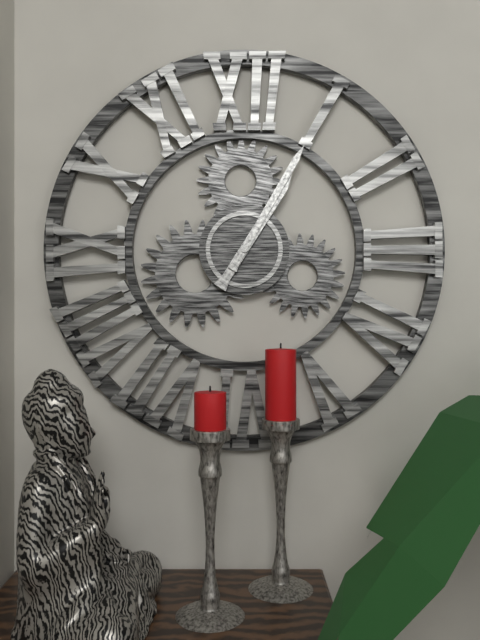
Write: 1:05
